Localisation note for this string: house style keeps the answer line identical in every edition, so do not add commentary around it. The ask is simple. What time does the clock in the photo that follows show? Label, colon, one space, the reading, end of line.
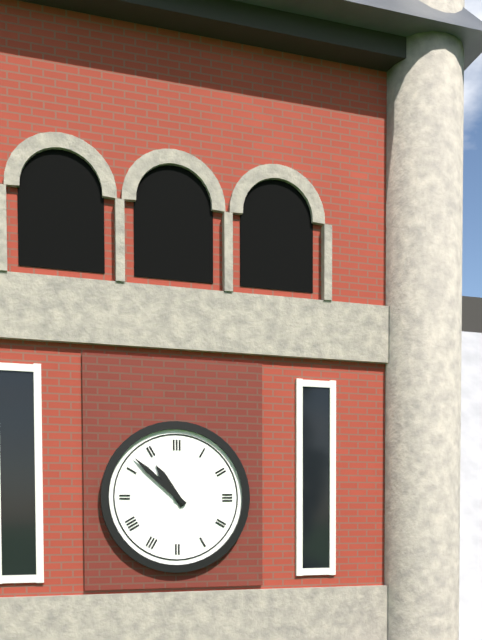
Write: 10:52
